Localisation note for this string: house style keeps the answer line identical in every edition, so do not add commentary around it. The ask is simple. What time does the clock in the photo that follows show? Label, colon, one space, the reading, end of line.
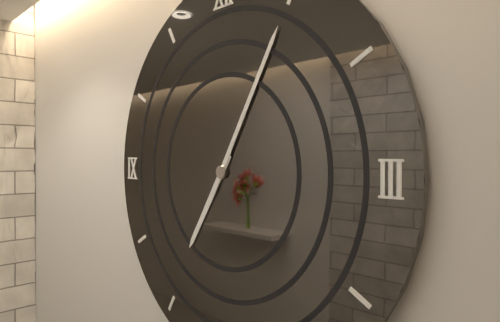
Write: 7:05
